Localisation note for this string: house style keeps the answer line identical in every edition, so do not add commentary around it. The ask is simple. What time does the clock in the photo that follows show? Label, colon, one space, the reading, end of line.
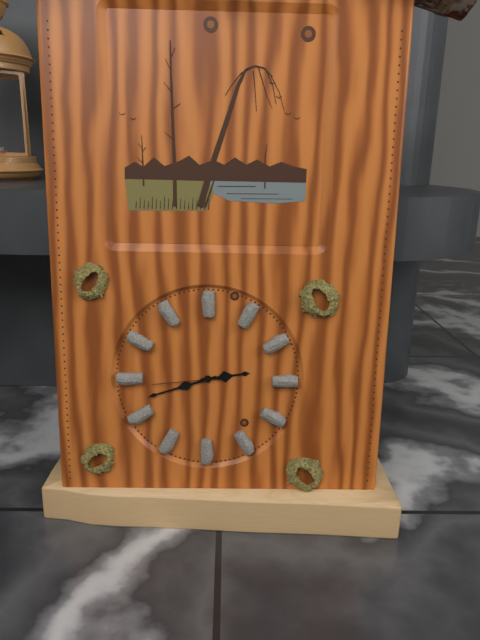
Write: 2:42:44
